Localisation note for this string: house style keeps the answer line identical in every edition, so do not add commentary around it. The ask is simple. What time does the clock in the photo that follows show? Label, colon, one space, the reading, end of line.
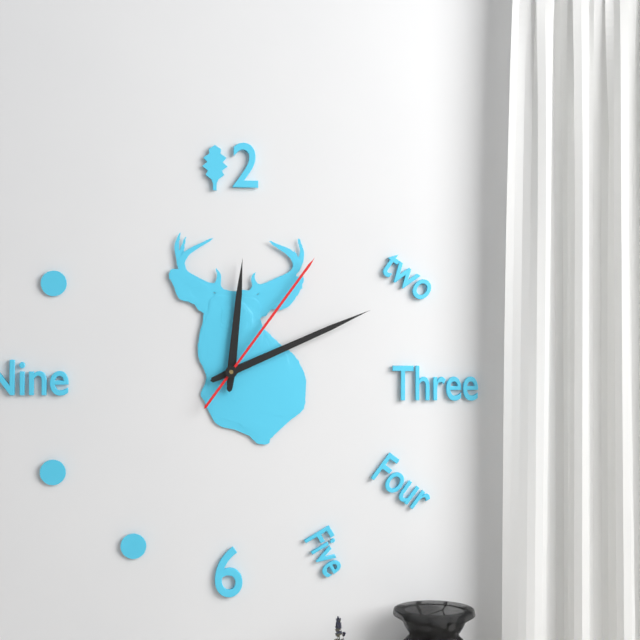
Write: 12:11:06
